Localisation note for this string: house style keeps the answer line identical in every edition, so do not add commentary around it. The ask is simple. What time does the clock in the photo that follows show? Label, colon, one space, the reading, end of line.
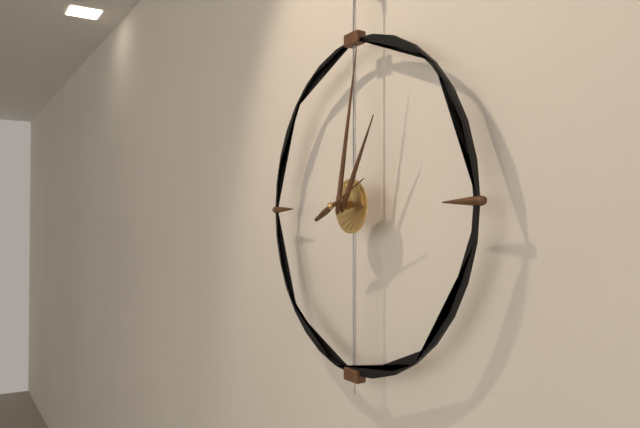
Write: 1:02
